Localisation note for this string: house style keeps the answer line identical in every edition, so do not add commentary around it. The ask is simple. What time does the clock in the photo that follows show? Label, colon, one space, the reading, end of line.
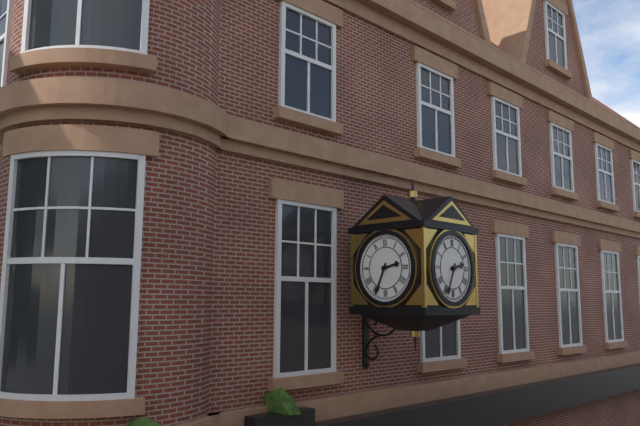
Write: 2:34
